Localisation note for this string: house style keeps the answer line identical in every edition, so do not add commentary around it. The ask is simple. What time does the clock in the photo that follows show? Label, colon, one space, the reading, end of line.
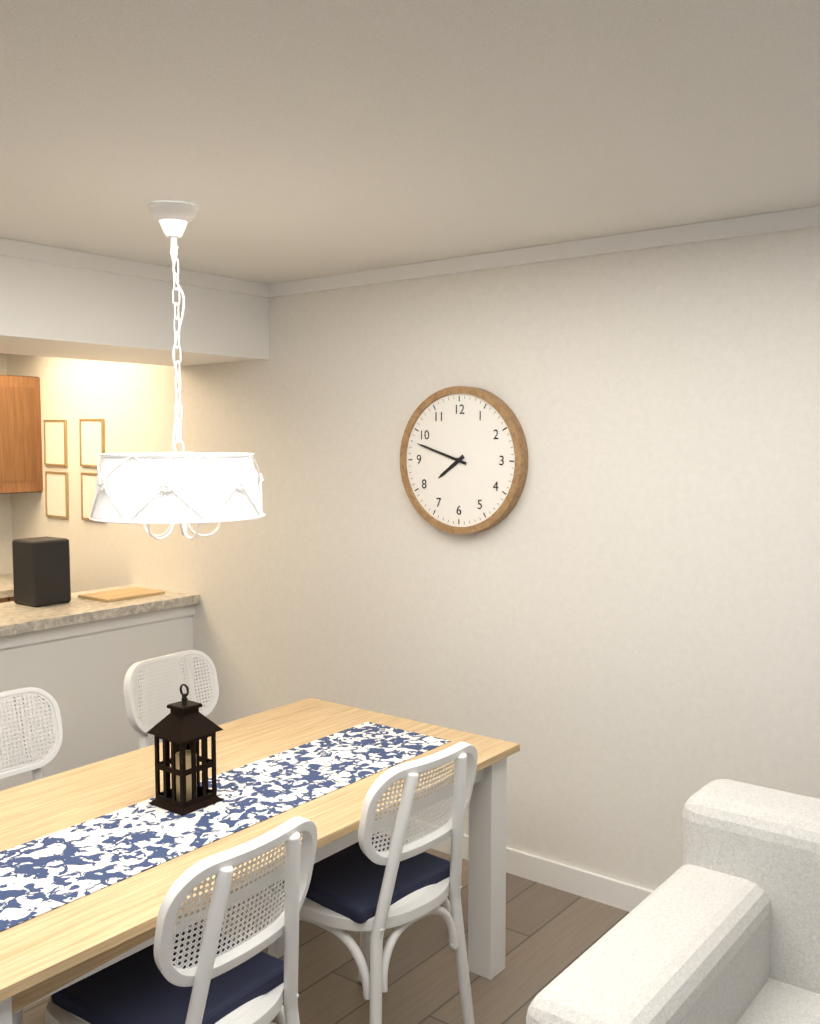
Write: 7:48
